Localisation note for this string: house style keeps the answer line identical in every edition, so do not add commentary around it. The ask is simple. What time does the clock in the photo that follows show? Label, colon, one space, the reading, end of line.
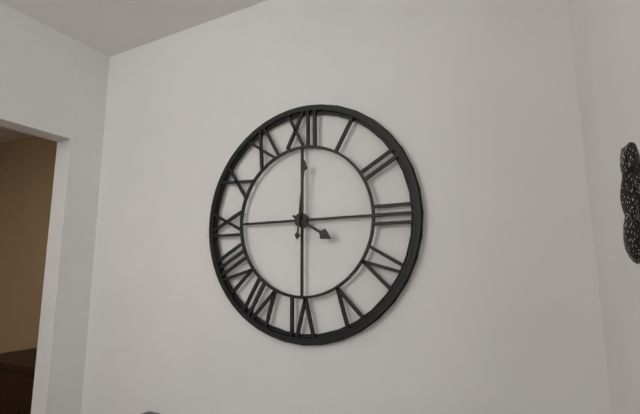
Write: 4:01
